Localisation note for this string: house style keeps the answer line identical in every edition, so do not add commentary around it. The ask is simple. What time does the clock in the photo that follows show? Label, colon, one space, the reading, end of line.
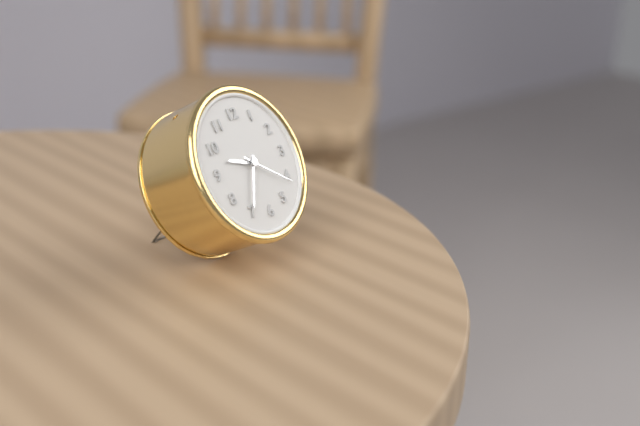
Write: 9:35:21
